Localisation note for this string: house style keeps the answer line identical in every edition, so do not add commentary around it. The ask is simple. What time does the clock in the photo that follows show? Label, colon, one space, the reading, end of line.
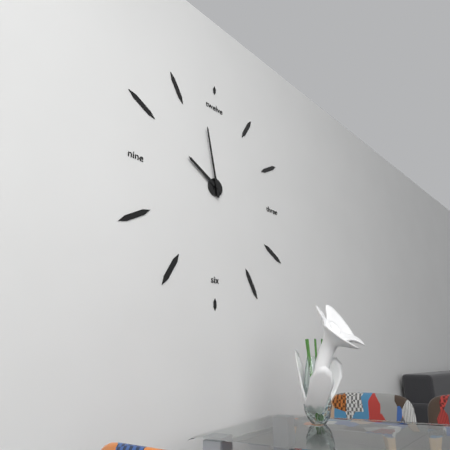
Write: 9:58
